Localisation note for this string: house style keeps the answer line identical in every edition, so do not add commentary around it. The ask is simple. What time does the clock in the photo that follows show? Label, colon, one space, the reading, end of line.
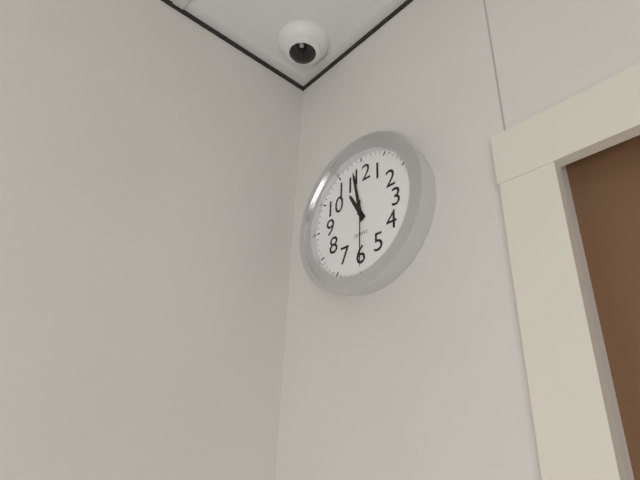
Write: 10:58:30
